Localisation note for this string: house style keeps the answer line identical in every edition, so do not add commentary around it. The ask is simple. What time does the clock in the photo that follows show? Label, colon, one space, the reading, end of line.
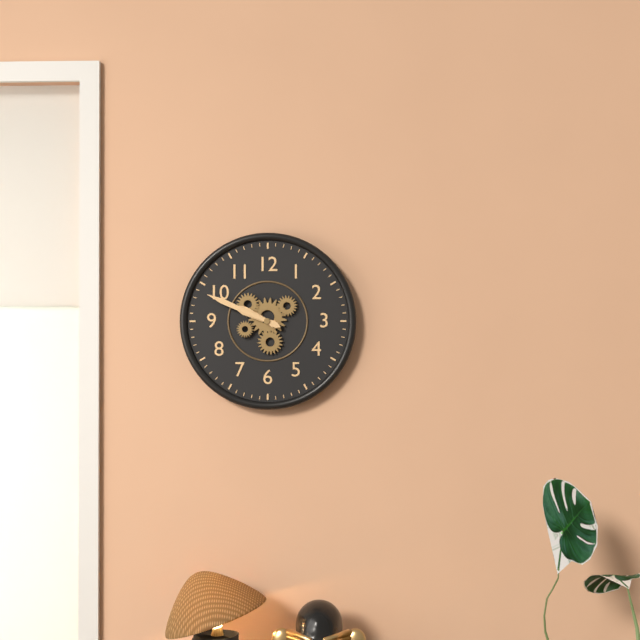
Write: 9:49
